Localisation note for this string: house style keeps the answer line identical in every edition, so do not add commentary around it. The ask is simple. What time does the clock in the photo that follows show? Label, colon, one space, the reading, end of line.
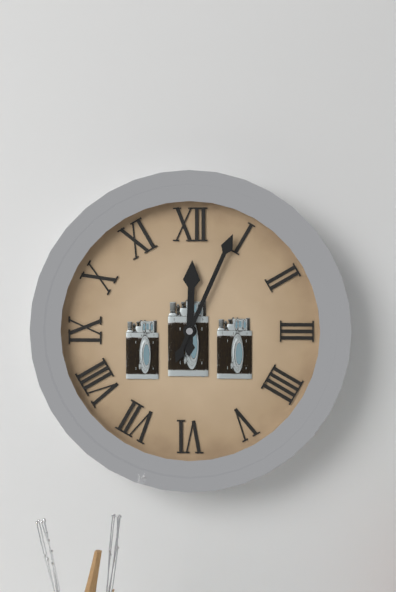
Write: 12:04
